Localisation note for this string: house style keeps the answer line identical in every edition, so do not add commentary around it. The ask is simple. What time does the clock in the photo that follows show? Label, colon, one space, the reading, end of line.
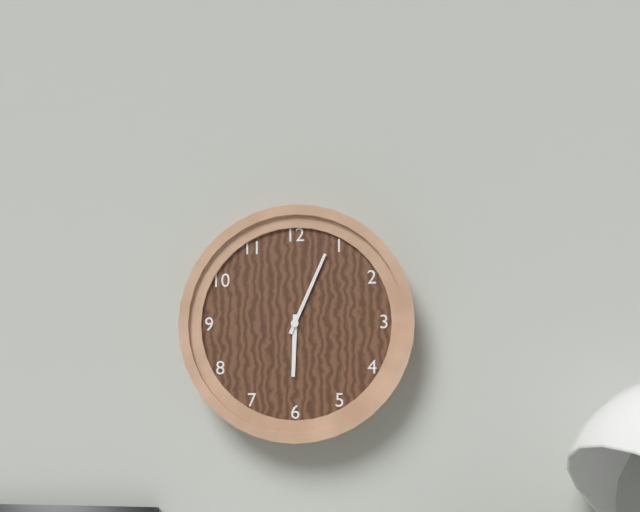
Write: 6:04
